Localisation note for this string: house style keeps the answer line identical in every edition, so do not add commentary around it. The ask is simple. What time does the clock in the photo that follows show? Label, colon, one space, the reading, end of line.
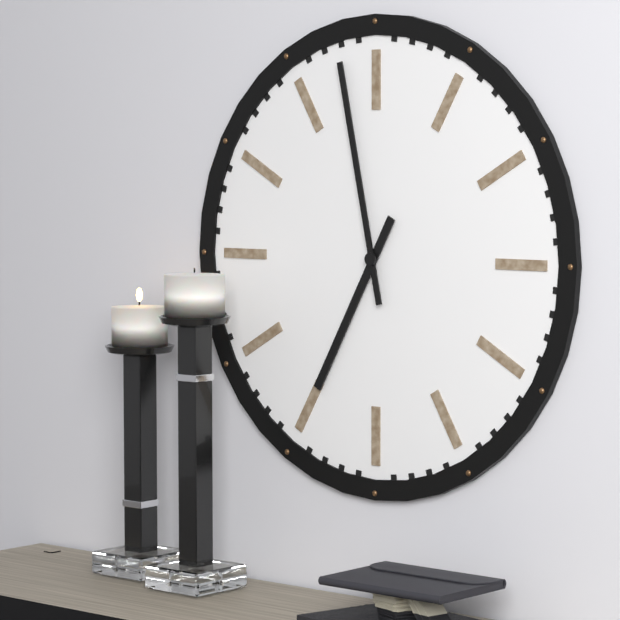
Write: 6:58
